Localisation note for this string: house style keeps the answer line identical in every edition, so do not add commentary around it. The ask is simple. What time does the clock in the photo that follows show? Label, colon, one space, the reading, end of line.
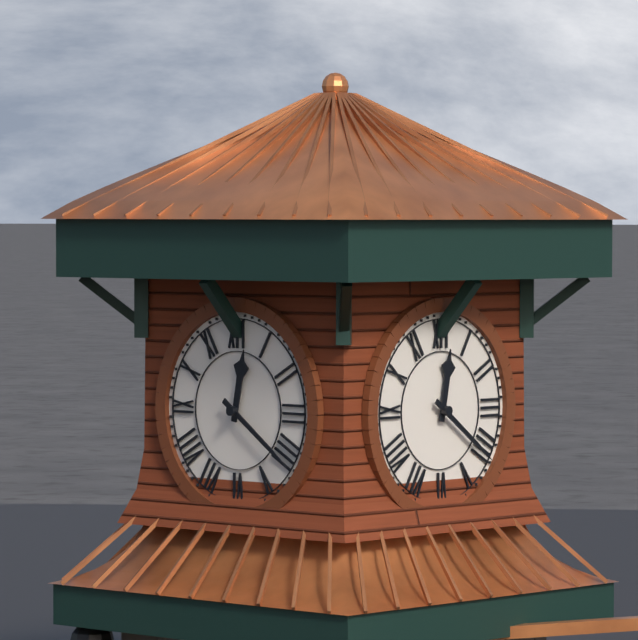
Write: 12:21
